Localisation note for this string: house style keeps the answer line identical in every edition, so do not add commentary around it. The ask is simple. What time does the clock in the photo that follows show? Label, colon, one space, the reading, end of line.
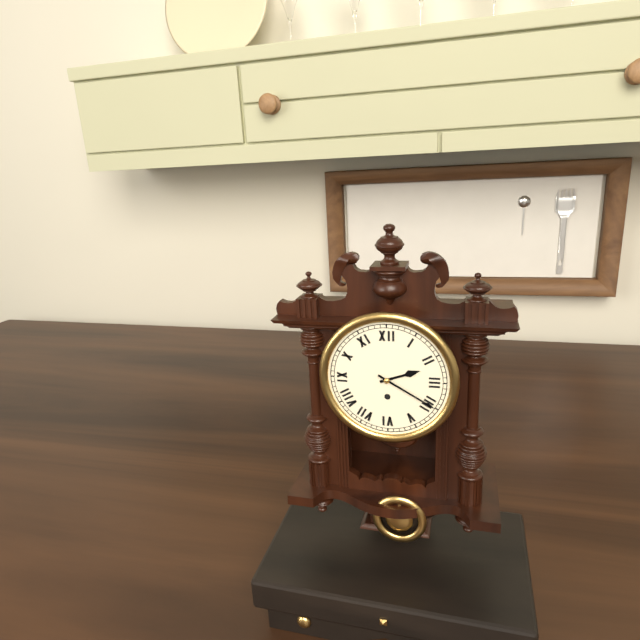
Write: 2:20
